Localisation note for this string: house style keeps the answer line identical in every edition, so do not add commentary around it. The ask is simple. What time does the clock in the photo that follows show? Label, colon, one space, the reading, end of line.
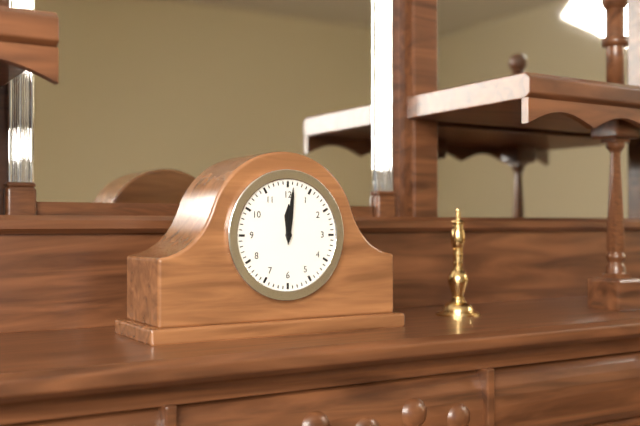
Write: 12:01
